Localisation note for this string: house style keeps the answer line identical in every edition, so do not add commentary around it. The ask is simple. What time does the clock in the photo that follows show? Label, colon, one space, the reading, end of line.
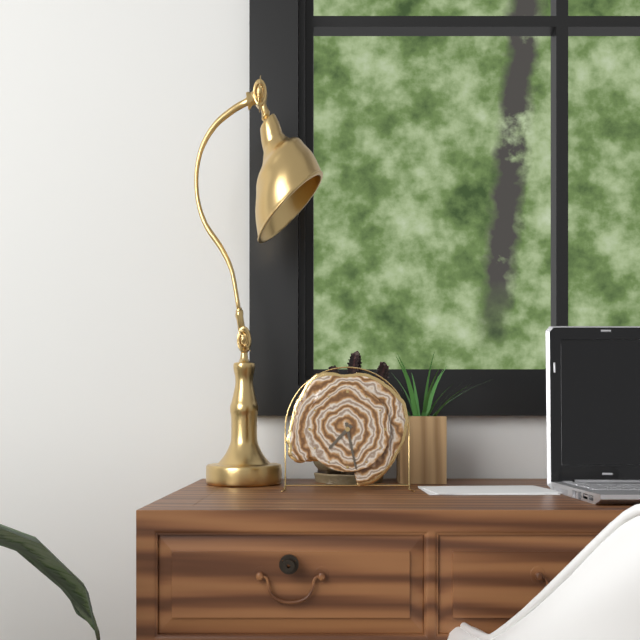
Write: 7:28
